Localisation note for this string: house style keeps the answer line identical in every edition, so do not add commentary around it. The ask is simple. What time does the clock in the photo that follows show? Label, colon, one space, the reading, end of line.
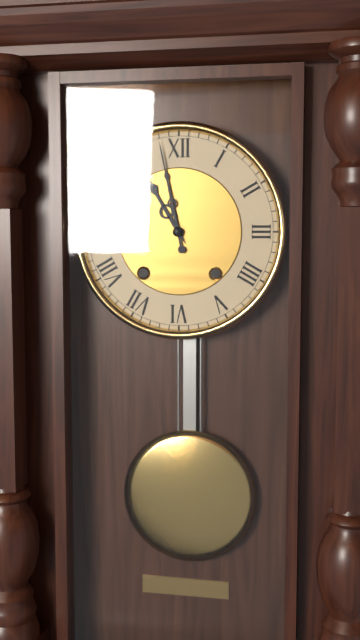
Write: 10:58
